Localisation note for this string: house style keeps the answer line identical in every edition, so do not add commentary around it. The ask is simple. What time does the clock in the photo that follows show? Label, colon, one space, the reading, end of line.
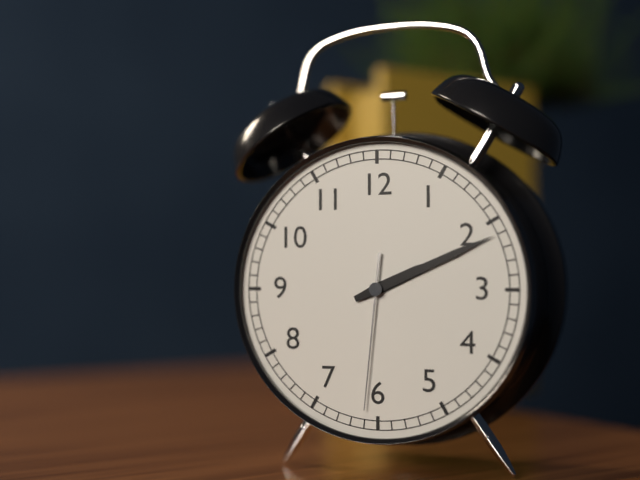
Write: 2:11:31
